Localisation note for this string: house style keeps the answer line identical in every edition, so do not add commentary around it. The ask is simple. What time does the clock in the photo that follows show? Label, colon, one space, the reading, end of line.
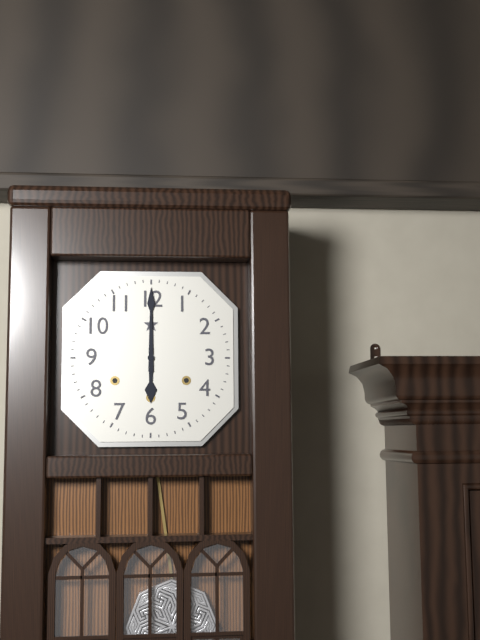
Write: 6:00
